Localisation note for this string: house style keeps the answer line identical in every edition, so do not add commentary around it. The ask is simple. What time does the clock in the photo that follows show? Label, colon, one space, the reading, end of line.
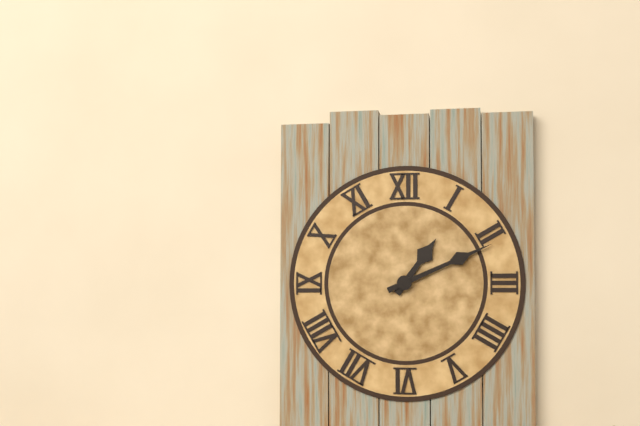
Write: 1:11
